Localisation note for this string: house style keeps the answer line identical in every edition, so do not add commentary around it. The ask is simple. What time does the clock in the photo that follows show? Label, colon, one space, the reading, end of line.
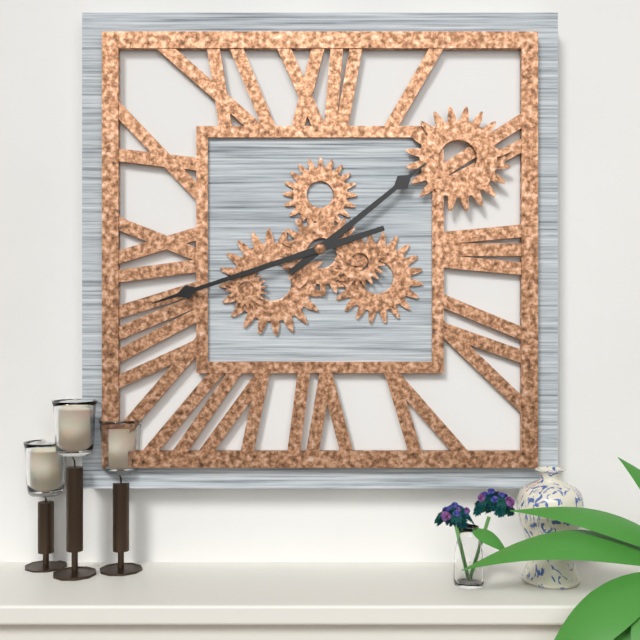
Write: 1:42
